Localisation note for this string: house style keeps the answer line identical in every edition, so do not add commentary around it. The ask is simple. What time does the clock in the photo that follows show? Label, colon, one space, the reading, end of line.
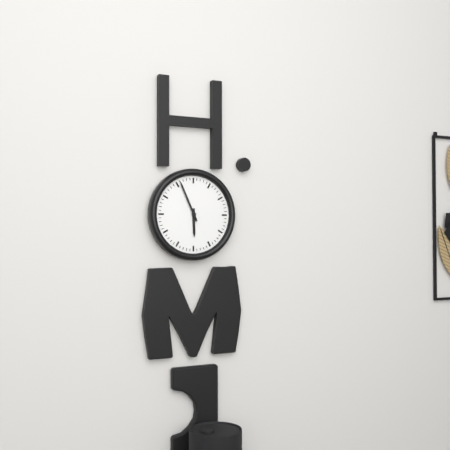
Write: 5:56
